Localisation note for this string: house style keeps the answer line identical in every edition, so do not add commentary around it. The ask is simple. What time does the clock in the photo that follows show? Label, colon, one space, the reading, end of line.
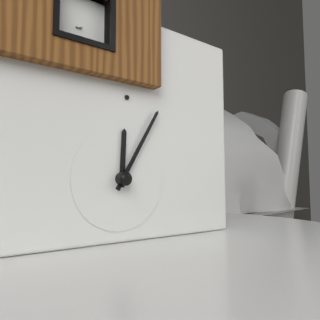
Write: 12:05
